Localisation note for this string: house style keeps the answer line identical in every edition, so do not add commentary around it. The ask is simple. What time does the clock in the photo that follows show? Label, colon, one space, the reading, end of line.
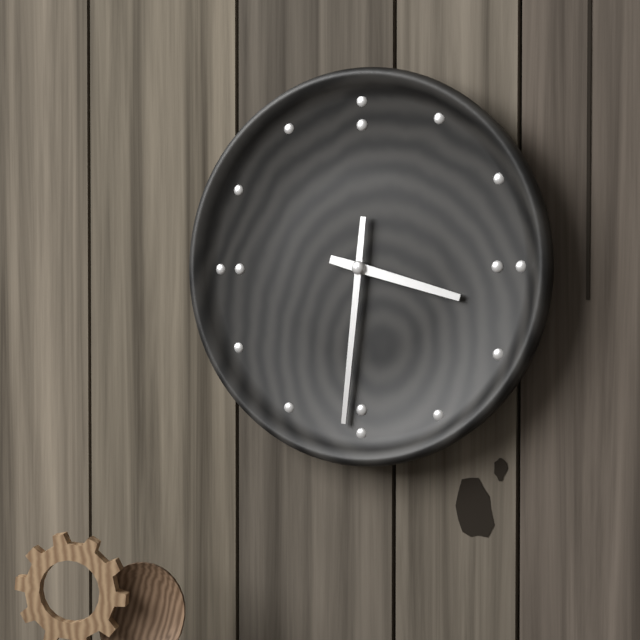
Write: 3:31
